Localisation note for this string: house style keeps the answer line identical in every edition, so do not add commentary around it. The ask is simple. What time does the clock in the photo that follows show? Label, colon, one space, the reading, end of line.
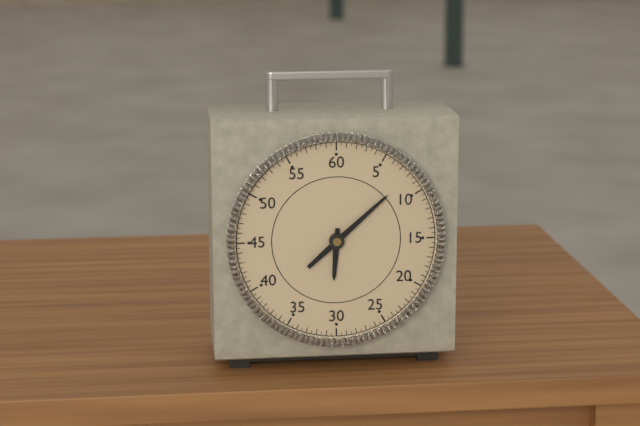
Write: 6:08
